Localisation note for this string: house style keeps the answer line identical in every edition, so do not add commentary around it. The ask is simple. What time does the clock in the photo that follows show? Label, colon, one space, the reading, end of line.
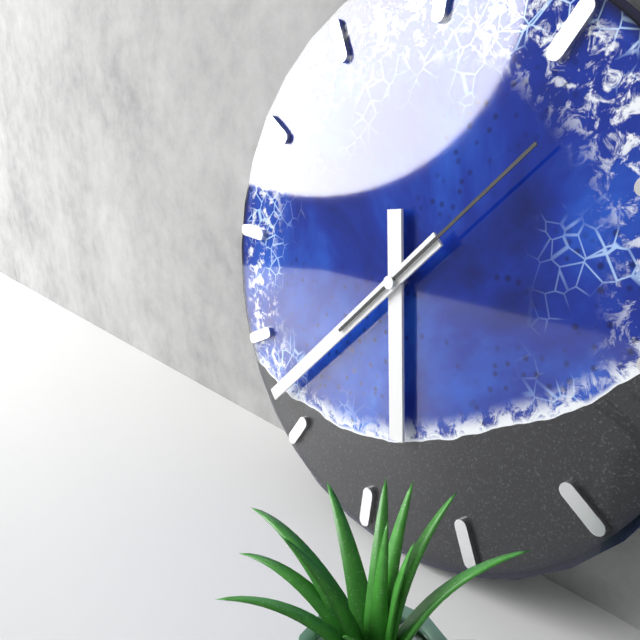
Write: 5:37:07
